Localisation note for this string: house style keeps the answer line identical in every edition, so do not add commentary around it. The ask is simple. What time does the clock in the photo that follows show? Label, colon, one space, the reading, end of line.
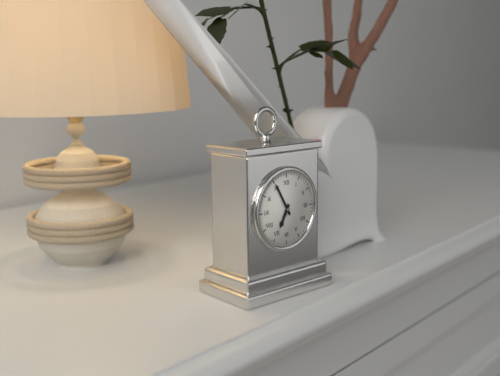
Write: 6:55
